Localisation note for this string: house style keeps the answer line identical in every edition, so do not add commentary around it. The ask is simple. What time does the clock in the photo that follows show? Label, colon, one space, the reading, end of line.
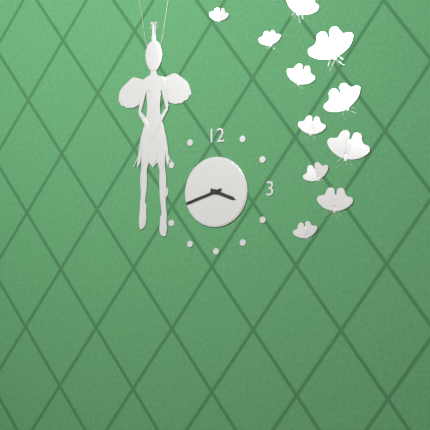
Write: 3:42
